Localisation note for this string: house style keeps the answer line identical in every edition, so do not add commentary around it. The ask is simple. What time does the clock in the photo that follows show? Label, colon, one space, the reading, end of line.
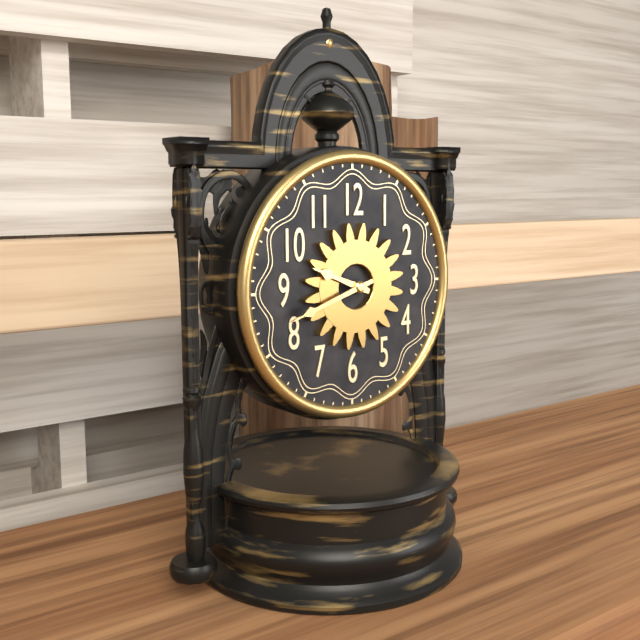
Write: 9:42
